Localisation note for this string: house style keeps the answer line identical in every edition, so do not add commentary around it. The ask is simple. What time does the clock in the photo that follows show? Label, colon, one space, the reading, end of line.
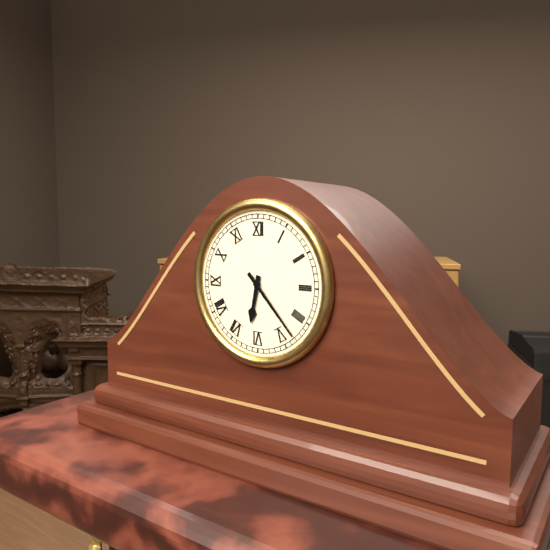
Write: 6:23
